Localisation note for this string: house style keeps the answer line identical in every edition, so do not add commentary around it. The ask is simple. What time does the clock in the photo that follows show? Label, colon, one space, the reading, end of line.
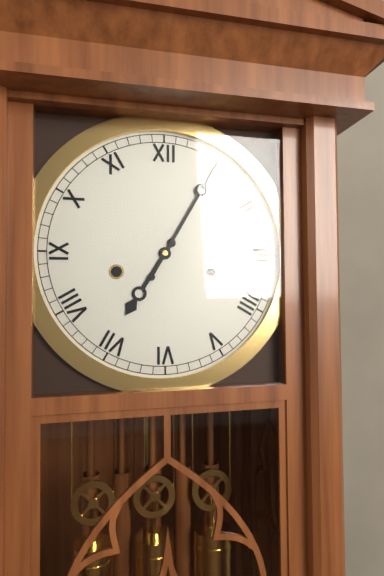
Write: 7:05
